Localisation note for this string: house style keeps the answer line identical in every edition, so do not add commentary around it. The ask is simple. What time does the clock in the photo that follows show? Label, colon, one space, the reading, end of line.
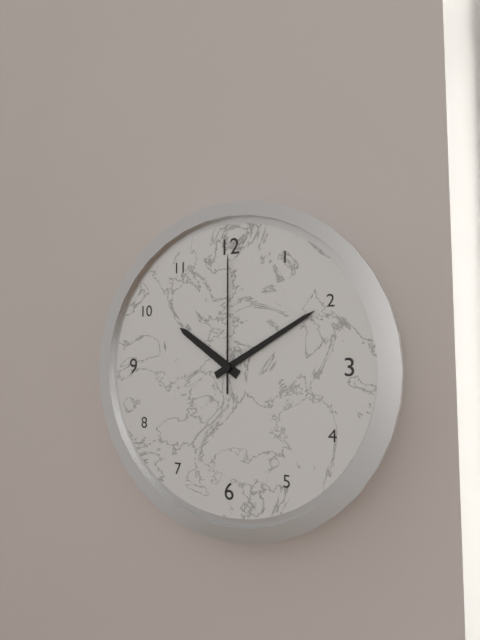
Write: 10:10:00
